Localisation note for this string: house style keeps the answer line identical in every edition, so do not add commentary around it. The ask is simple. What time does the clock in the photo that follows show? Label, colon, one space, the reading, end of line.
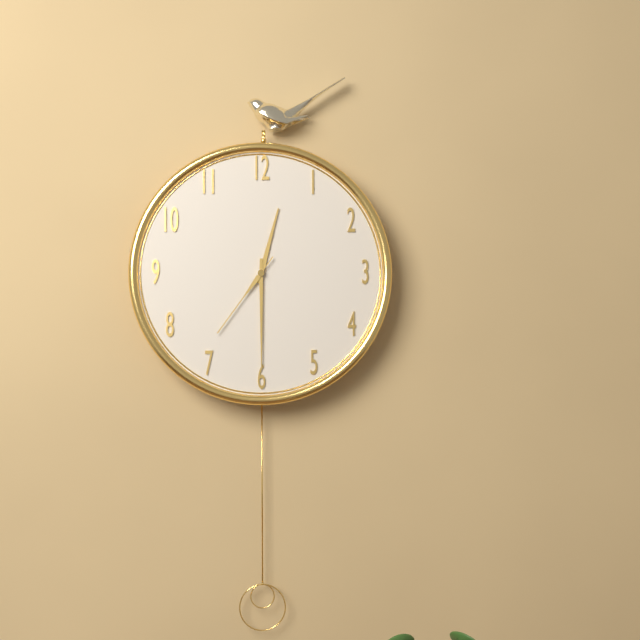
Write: 12:30:36
